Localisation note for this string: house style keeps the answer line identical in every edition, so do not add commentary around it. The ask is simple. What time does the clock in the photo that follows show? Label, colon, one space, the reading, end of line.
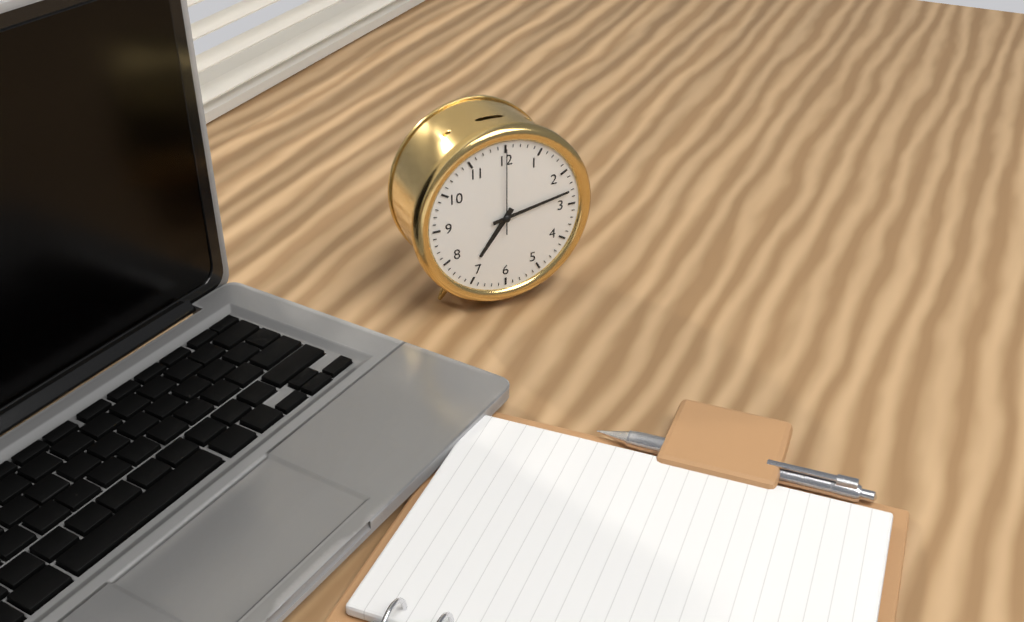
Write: 7:13:00
